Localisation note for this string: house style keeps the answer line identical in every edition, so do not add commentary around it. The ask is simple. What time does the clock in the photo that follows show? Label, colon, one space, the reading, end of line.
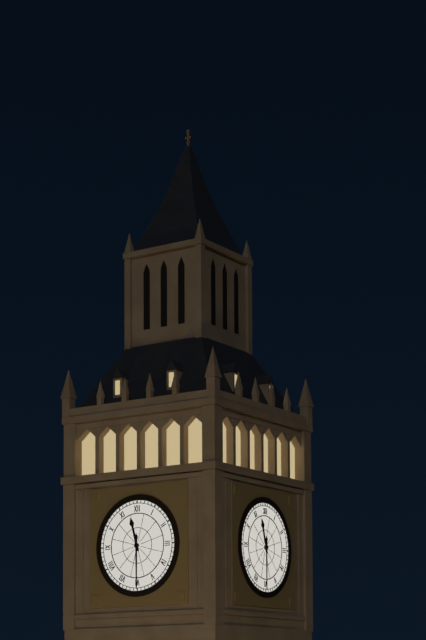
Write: 11:30
